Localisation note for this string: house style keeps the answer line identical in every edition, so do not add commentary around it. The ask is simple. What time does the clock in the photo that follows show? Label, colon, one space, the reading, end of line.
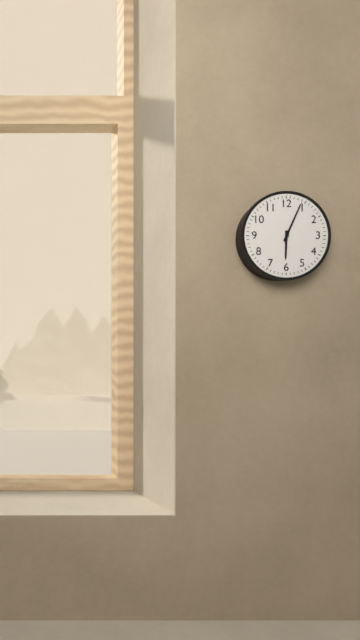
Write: 6:04
